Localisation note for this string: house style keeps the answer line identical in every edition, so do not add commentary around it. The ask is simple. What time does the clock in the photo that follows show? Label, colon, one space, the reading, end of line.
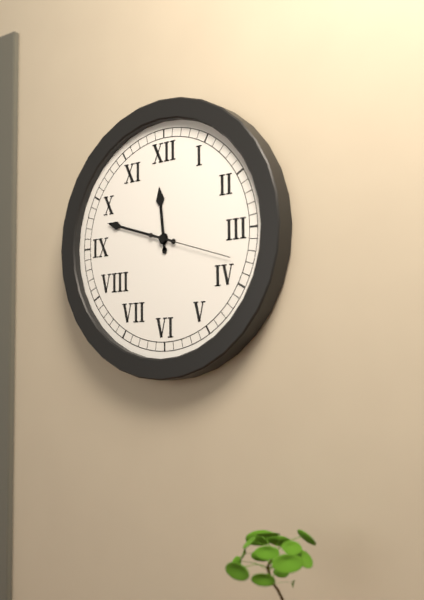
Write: 11:48:18
